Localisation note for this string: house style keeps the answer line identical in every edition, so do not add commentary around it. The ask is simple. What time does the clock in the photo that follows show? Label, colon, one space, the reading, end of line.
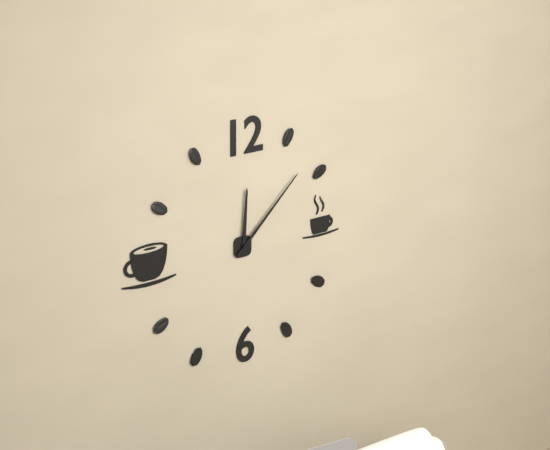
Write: 12:08
